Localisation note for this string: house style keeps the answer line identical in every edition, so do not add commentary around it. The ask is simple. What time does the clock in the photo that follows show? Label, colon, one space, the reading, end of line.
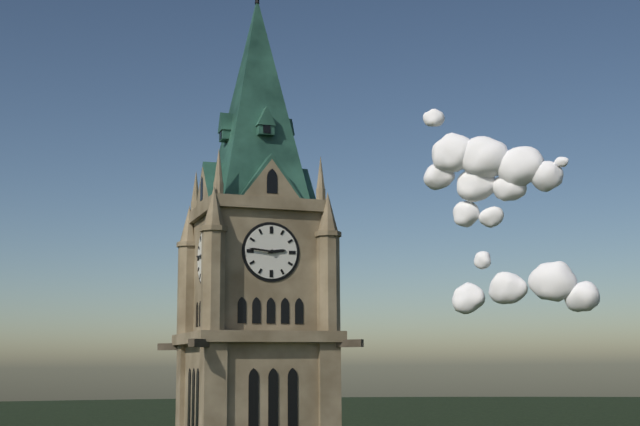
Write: 2:46
